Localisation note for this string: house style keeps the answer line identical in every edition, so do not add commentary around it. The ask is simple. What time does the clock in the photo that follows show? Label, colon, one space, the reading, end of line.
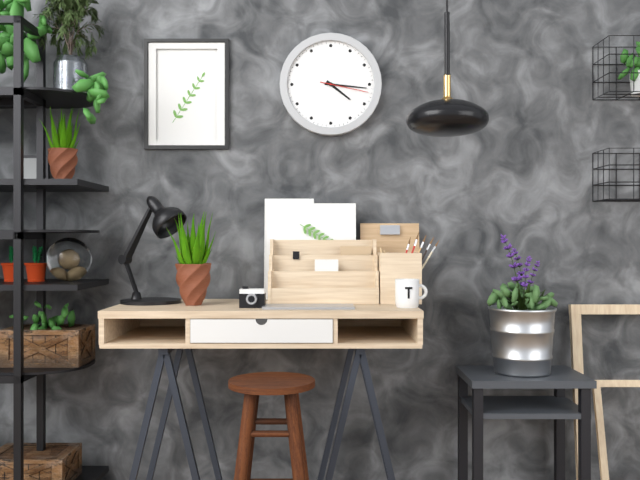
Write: 4:16
